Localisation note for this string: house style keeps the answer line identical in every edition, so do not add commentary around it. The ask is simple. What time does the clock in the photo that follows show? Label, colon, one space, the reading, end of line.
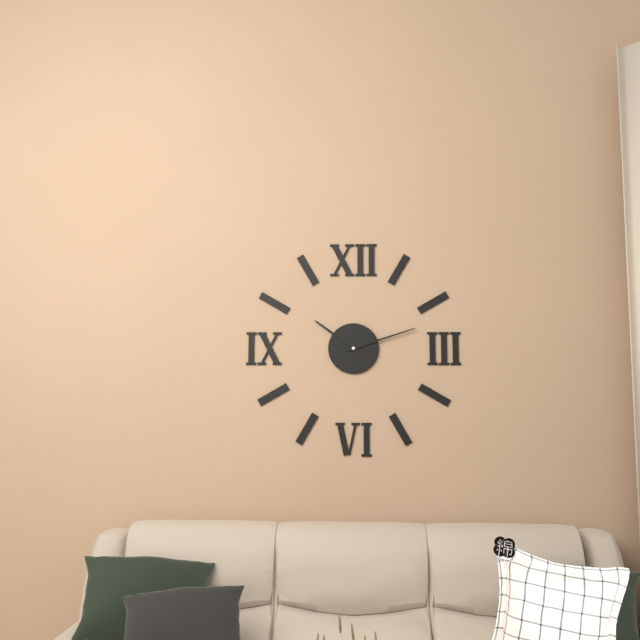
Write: 10:12
